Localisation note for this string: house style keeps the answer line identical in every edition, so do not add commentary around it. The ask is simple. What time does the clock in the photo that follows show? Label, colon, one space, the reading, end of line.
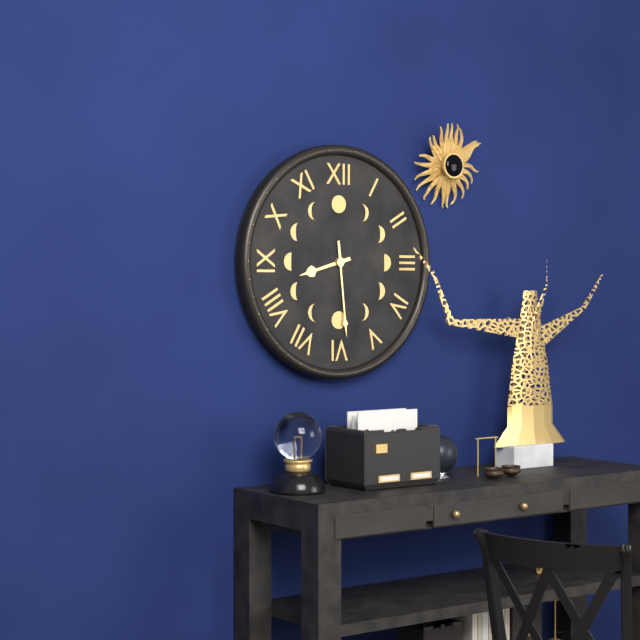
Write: 8:29
